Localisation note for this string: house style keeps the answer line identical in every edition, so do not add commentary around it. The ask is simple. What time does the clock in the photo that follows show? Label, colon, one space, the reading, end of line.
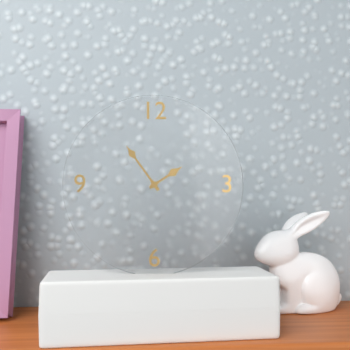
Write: 1:54
